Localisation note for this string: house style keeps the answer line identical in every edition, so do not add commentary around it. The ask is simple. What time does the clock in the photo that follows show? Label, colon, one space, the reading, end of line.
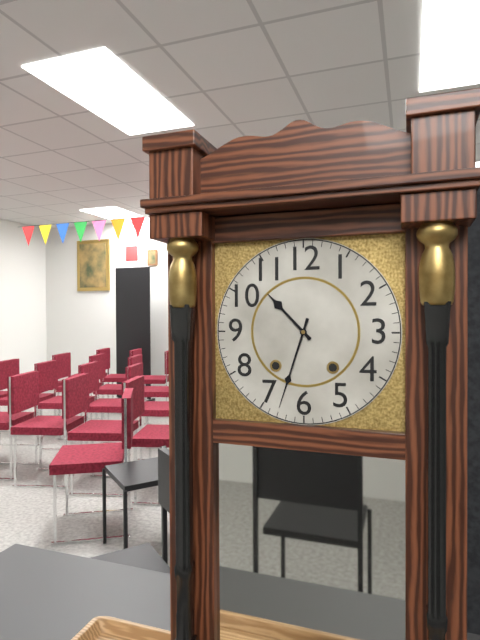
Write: 10:33
